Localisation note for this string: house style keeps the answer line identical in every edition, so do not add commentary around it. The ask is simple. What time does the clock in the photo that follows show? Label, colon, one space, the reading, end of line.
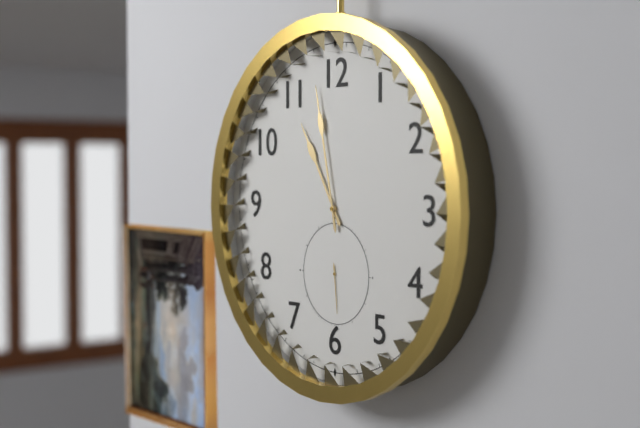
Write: 10:58:29
